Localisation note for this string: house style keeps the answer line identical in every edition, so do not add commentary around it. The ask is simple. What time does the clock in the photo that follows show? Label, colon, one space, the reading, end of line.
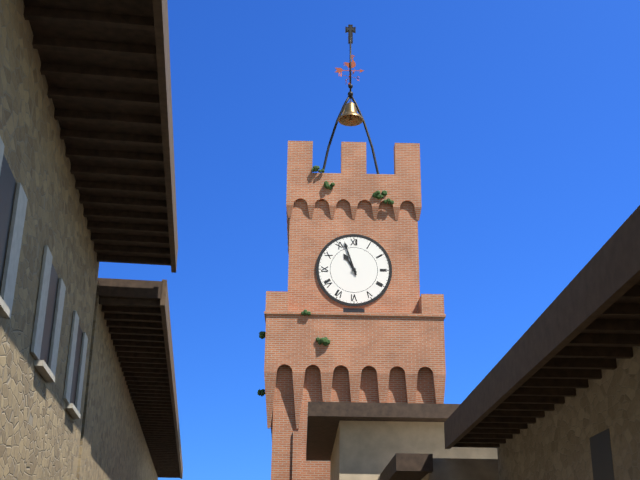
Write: 10:57
